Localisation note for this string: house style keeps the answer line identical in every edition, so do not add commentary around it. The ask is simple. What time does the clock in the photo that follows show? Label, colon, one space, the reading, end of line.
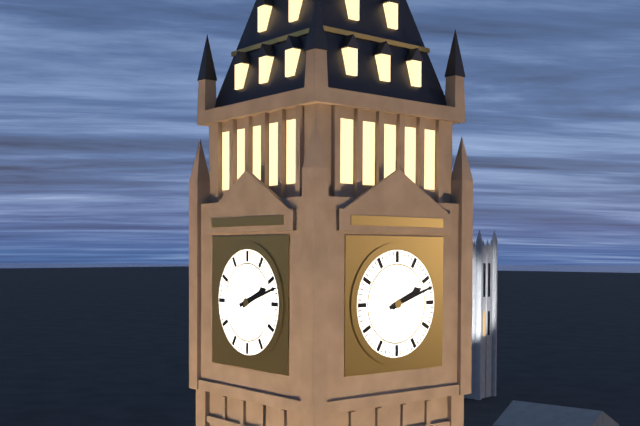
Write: 2:12
